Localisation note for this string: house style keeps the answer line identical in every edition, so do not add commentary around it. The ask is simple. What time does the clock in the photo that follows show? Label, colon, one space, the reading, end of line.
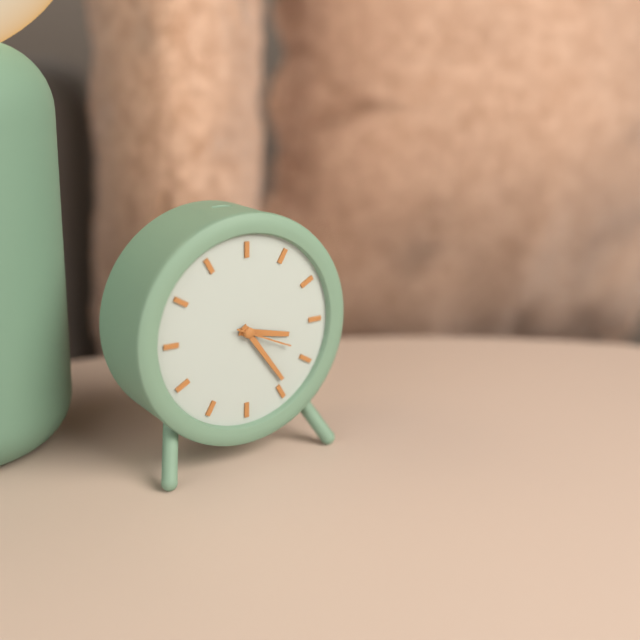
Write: 3:24:19
